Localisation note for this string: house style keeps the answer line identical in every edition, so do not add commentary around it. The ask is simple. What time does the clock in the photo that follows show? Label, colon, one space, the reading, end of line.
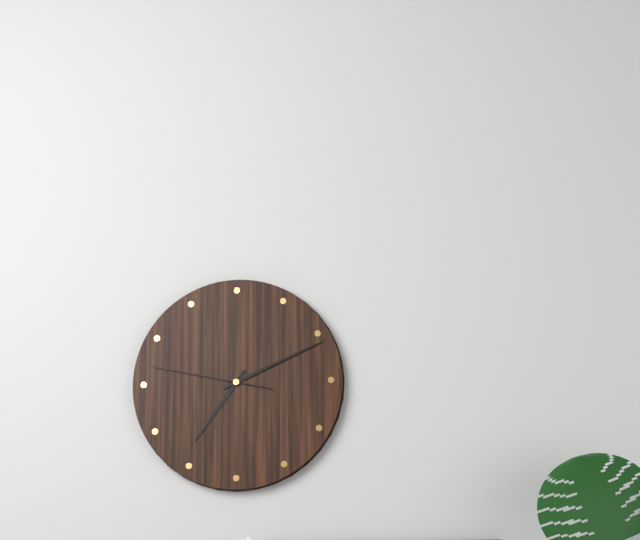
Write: 7:11:47
